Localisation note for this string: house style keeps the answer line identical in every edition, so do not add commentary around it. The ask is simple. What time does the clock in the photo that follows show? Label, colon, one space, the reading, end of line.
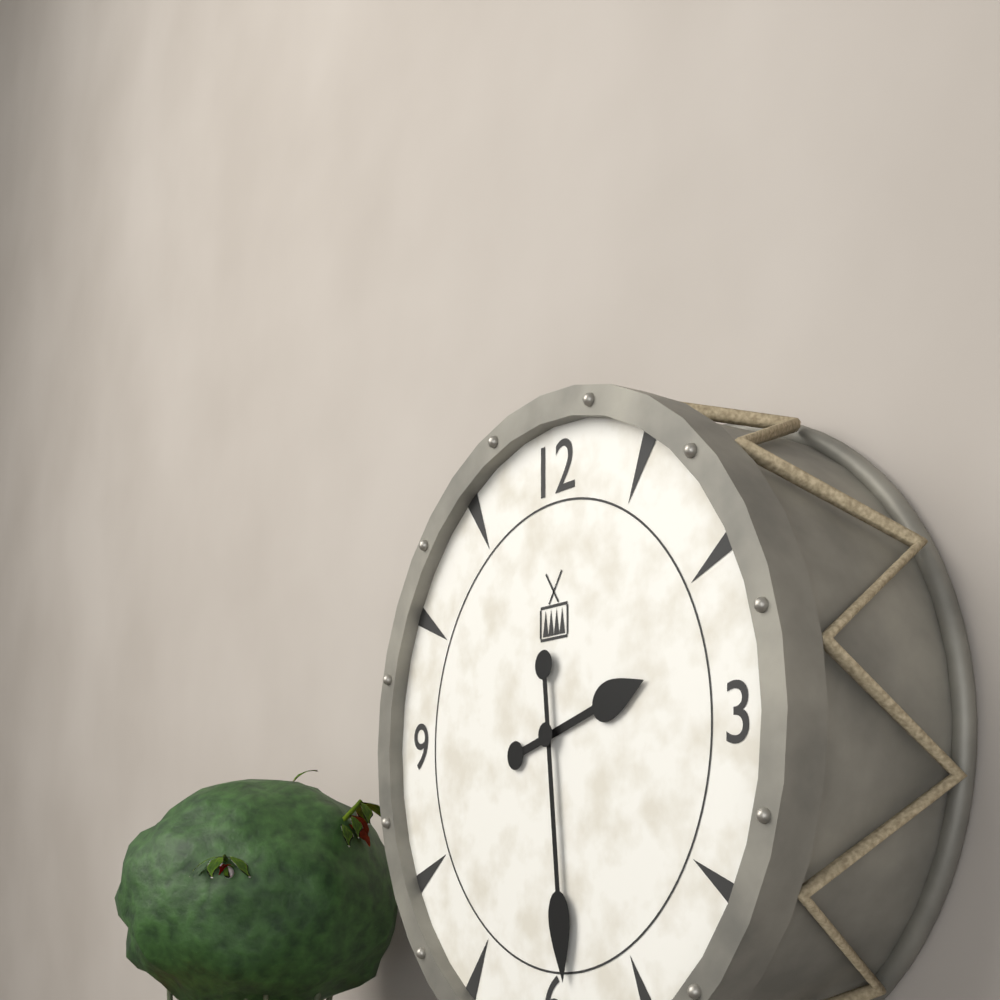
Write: 2:29
